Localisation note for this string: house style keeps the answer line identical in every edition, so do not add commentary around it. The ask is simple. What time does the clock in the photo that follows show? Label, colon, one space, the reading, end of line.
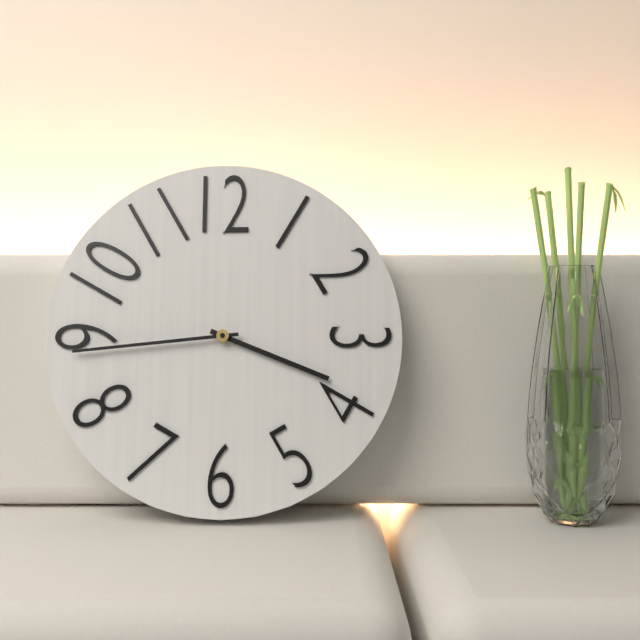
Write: 3:44
